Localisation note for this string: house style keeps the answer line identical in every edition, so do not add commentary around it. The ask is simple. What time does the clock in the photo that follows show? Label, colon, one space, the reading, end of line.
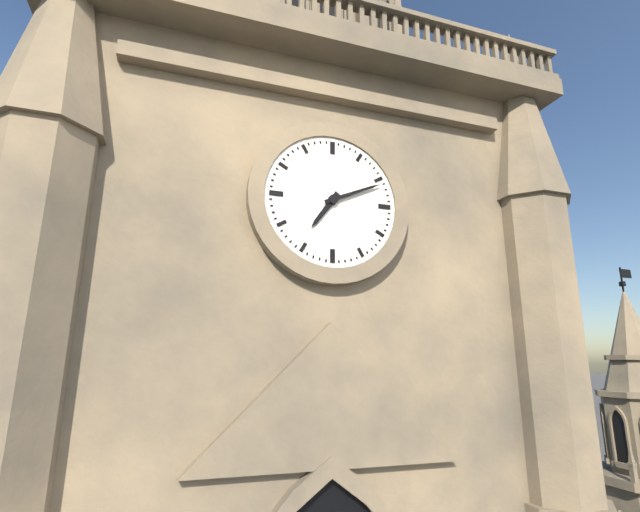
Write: 7:11
